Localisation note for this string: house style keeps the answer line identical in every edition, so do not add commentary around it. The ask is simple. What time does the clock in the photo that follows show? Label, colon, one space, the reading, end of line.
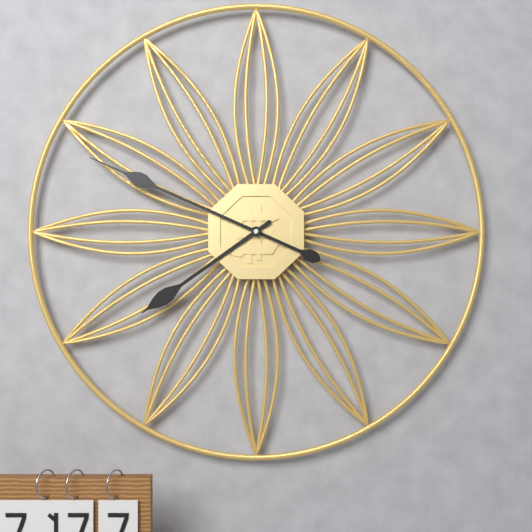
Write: 7:49
